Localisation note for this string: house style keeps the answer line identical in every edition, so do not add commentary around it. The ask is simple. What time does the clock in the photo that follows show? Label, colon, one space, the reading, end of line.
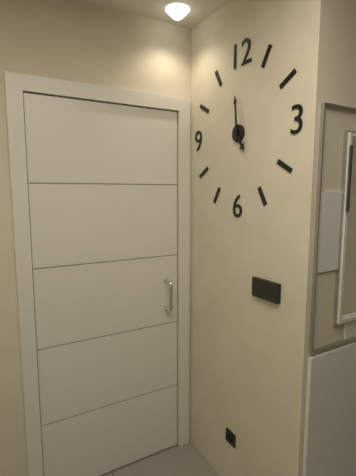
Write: 4:59
